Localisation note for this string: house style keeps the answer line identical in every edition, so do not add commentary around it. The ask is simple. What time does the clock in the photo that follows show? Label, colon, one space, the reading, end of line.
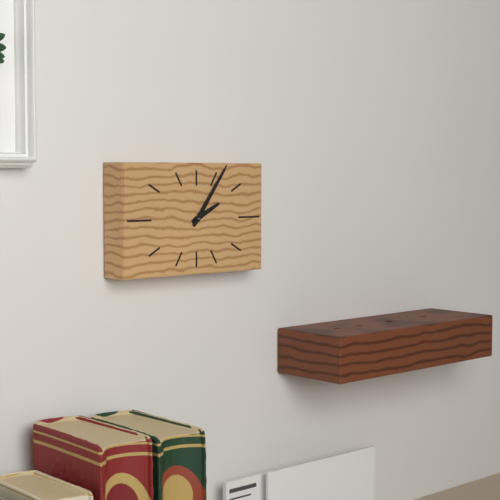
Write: 2:06
